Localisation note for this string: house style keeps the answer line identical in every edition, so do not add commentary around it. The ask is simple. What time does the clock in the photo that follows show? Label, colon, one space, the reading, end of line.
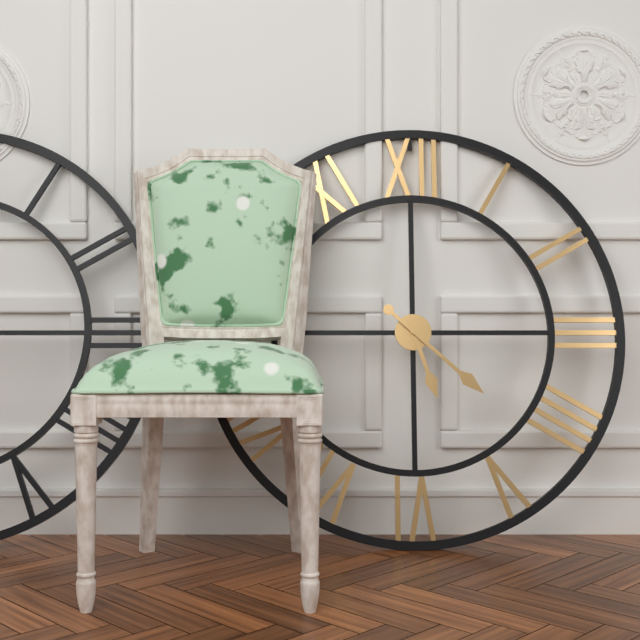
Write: 5:22
